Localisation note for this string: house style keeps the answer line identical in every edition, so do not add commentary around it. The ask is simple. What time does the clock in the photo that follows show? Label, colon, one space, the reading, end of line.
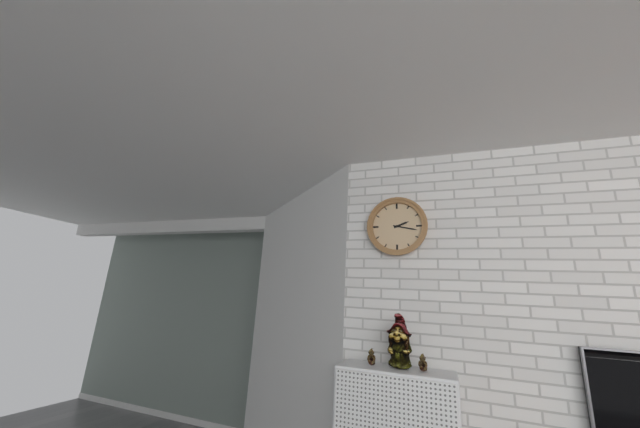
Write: 2:17
